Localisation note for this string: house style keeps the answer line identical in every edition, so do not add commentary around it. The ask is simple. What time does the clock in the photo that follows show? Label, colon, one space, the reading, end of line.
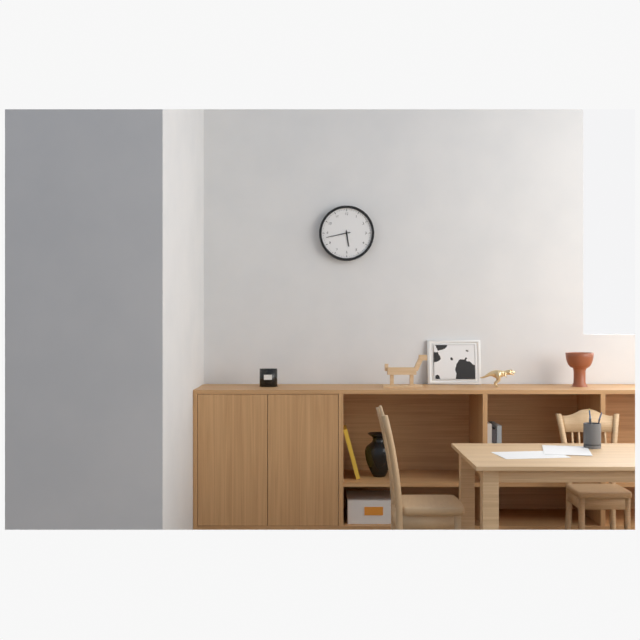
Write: 5:43
